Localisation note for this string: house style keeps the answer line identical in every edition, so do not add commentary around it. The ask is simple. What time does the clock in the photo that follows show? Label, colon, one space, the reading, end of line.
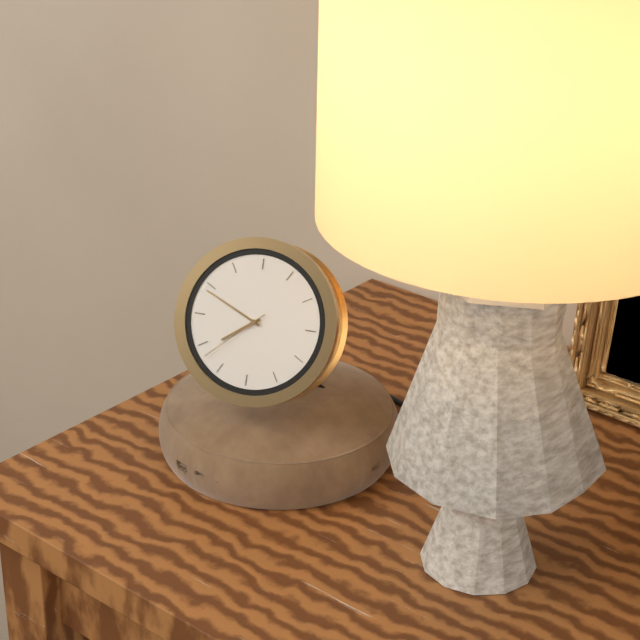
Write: 7:49:38
